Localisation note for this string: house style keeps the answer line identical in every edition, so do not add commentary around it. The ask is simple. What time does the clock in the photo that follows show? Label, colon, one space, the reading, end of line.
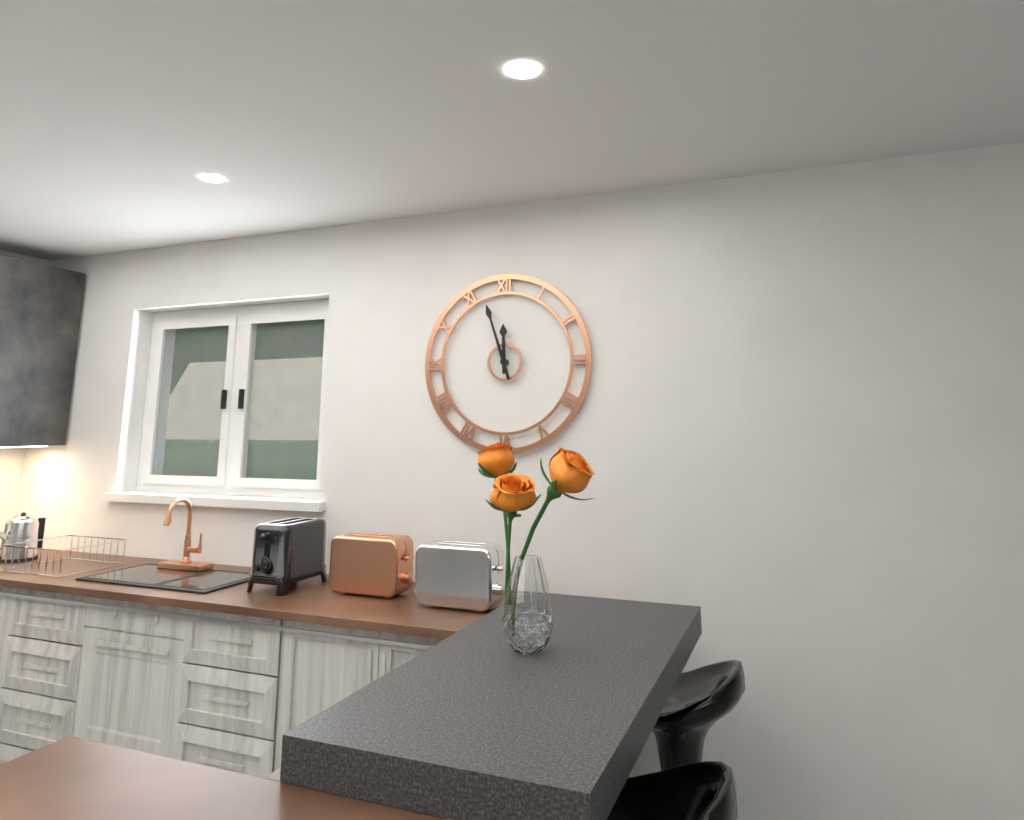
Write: 11:57
